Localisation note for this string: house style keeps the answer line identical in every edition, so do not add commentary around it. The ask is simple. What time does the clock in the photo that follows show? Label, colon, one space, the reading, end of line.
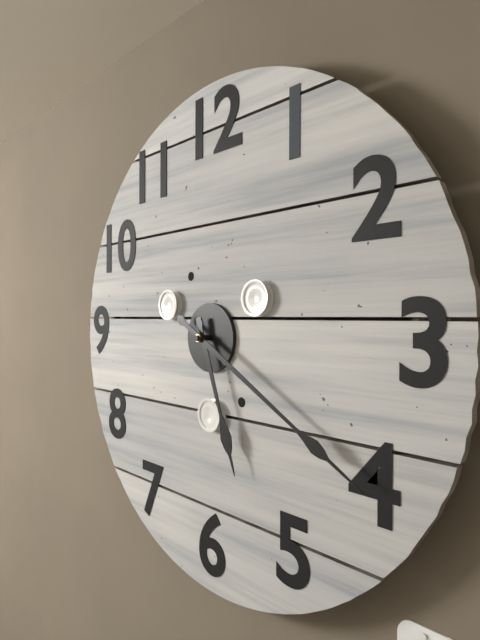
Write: 5:20
